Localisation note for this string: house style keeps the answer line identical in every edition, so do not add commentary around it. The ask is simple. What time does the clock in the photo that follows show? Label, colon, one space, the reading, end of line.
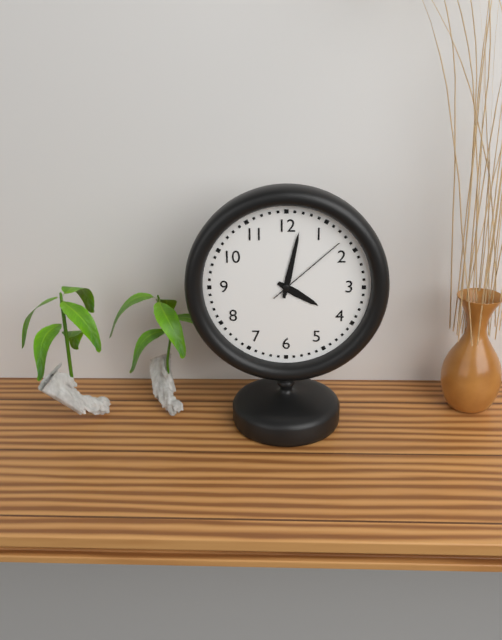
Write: 4:02:08
